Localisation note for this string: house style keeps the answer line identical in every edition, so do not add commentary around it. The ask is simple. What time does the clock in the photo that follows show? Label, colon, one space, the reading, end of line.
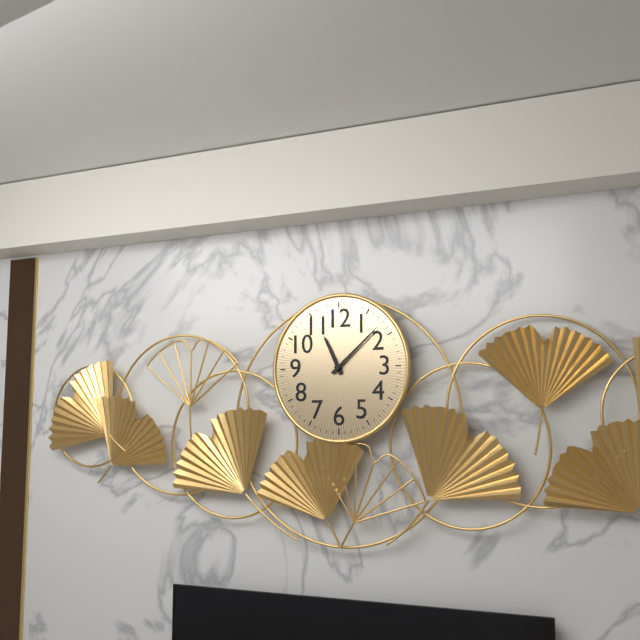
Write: 11:08
